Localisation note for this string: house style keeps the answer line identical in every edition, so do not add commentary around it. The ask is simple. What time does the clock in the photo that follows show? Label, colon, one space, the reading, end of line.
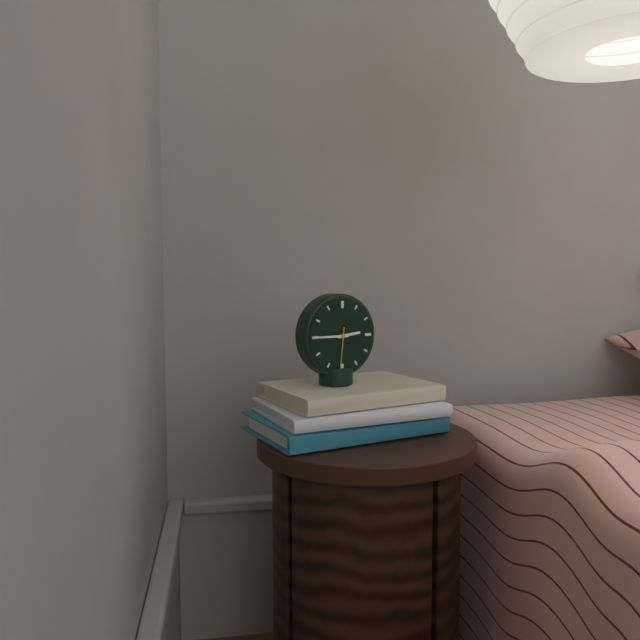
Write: 2:45
